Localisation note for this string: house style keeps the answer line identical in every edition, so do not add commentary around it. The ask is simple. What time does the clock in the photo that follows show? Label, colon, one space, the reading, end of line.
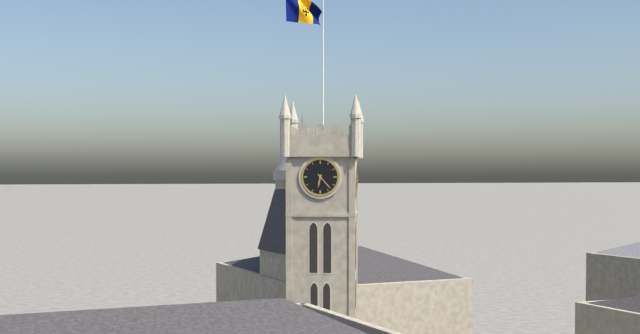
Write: 6:23
